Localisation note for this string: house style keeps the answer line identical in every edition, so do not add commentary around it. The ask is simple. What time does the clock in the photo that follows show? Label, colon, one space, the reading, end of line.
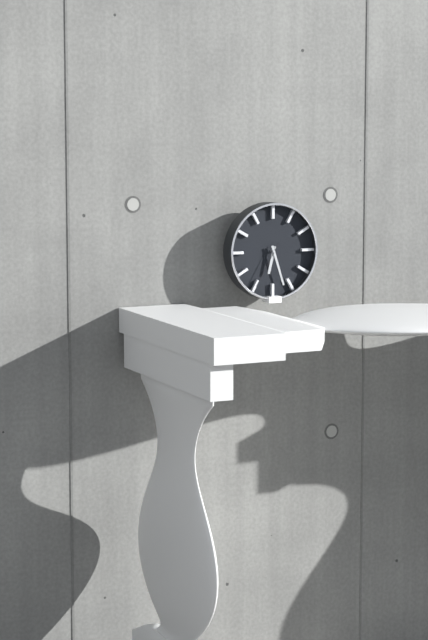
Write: 6:27
